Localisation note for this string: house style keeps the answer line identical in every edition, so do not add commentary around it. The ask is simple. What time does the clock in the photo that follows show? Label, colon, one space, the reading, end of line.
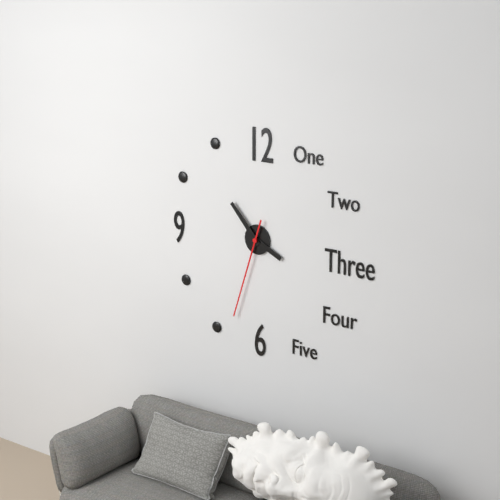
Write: 3:53:33
